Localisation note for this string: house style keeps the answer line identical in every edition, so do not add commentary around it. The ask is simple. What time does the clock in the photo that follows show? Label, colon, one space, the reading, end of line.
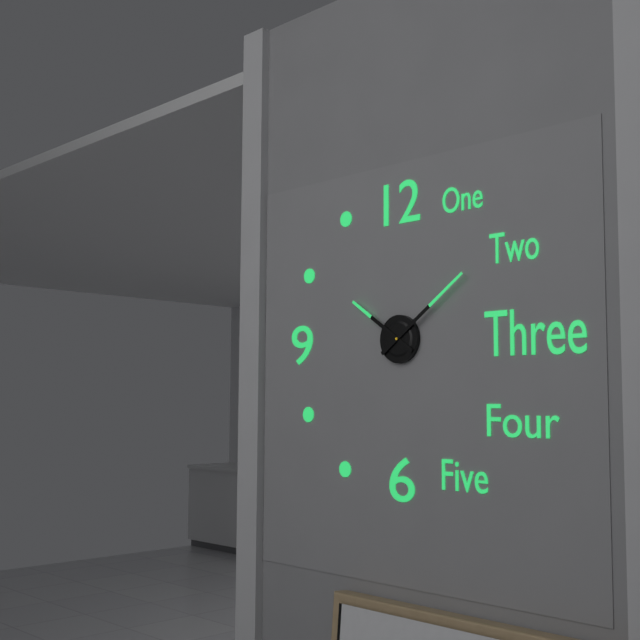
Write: 10:09
